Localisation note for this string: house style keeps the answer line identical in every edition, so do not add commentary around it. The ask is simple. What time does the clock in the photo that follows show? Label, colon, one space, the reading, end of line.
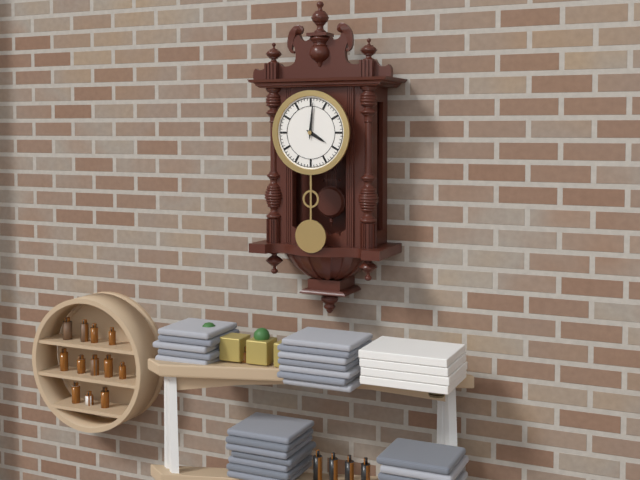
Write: 4:01
